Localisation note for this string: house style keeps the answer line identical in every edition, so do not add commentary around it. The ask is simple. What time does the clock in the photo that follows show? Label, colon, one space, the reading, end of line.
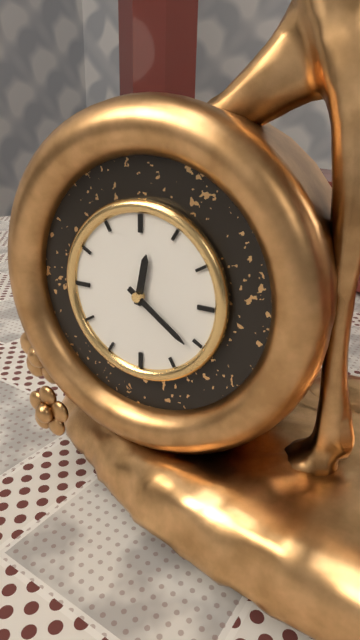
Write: 12:21
